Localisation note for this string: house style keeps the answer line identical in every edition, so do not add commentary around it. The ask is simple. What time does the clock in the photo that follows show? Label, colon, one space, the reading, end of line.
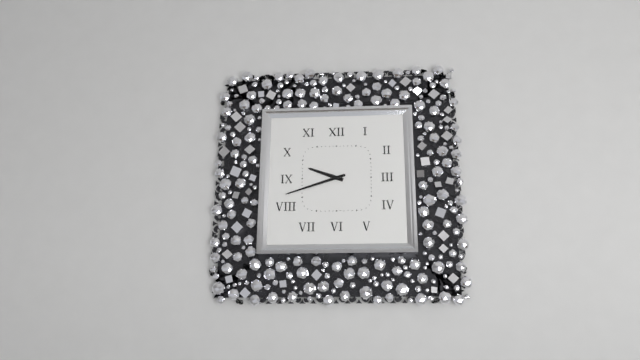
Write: 9:42
